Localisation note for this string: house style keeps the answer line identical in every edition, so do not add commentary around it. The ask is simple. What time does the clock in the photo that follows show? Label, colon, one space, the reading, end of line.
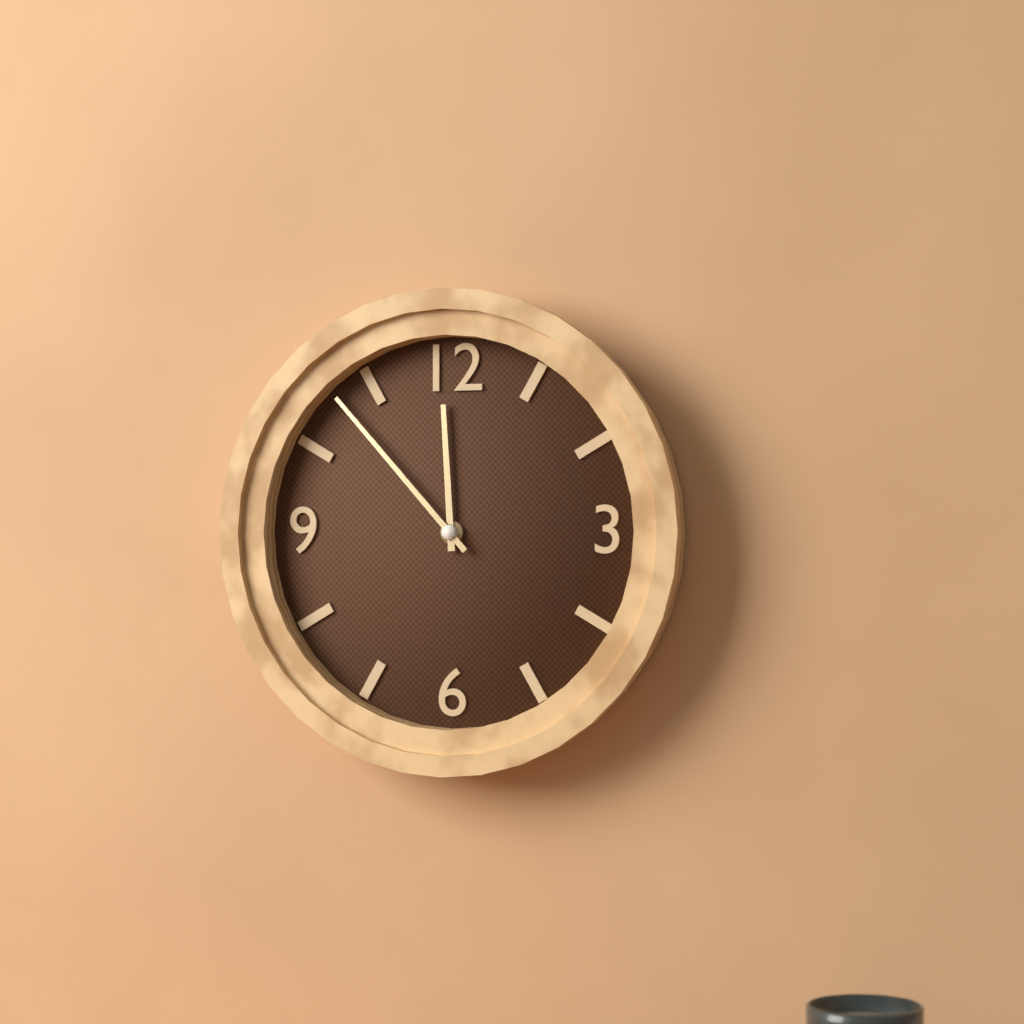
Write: 11:53
